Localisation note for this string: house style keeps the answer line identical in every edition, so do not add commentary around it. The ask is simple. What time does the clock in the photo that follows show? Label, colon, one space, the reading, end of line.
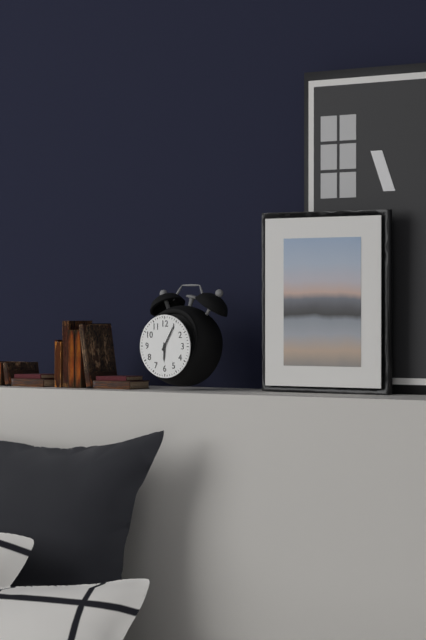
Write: 6:05
